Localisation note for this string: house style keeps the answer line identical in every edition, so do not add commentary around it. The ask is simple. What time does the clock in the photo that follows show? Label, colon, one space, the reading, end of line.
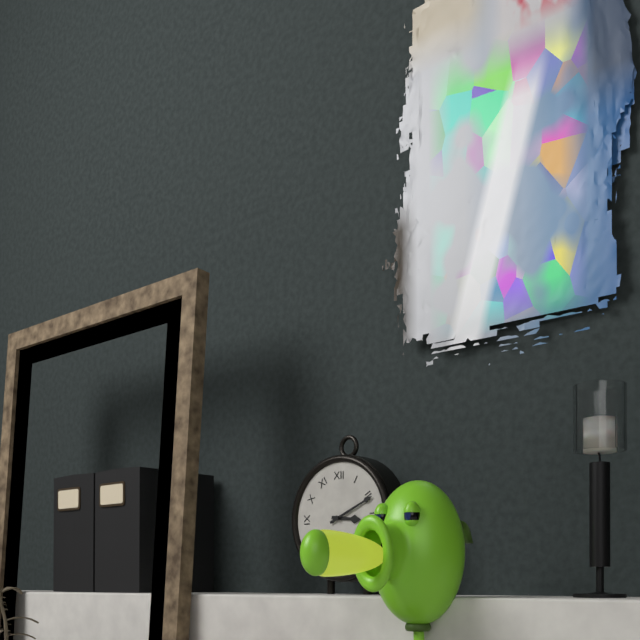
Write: 3:11
